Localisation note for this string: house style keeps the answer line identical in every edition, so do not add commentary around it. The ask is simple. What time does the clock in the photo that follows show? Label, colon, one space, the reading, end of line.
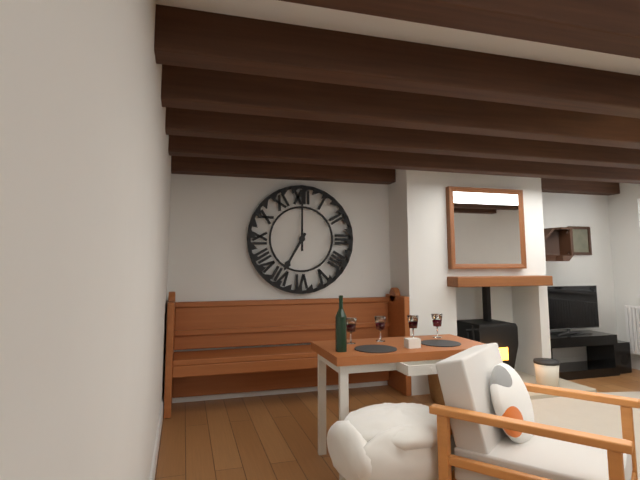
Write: 7:00
